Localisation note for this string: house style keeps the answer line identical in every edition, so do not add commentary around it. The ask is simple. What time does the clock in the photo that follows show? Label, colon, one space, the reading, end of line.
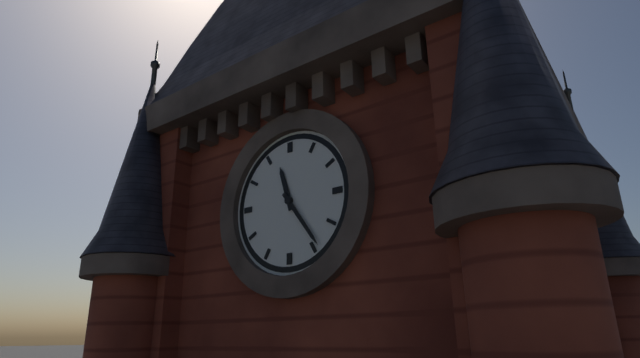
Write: 11:24
